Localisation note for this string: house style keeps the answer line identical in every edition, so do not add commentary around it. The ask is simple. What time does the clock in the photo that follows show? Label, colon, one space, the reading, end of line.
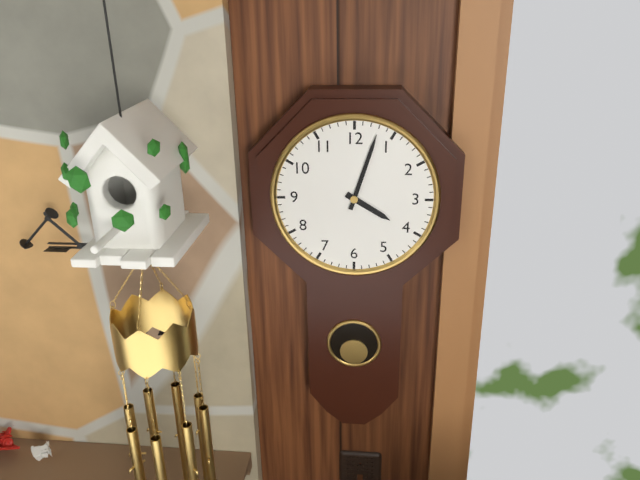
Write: 4:03
